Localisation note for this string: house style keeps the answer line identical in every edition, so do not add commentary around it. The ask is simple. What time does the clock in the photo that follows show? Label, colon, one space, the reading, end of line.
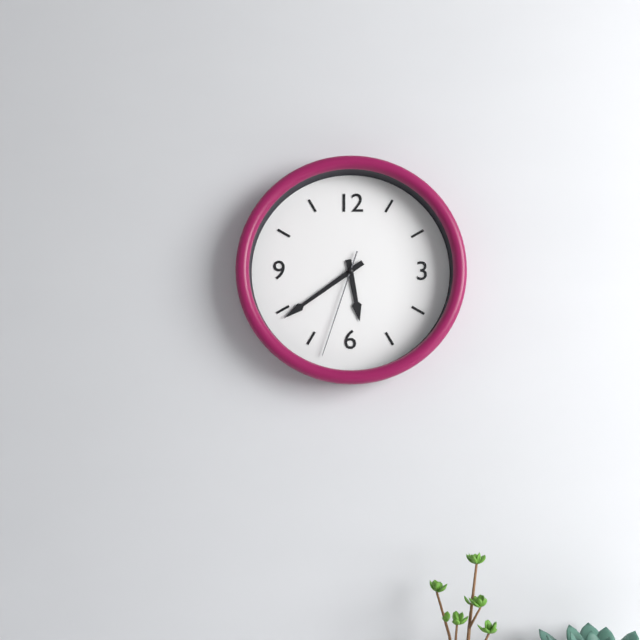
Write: 5:39:33
